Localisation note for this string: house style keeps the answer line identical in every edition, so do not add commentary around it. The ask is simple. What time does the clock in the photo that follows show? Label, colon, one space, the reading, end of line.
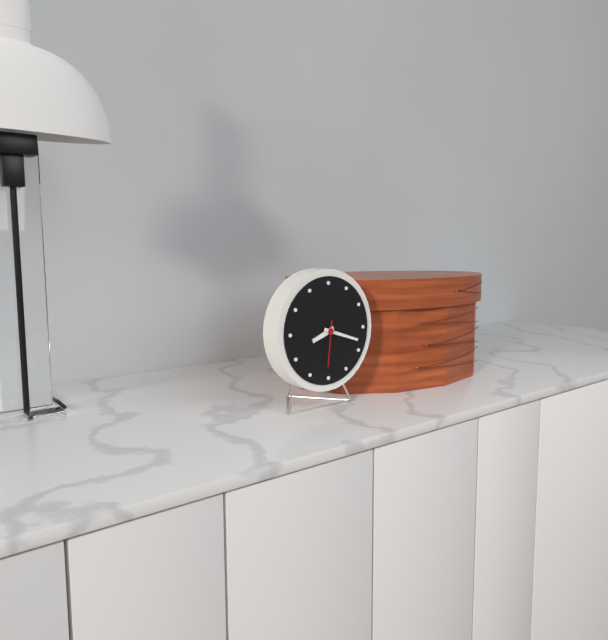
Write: 8:18
